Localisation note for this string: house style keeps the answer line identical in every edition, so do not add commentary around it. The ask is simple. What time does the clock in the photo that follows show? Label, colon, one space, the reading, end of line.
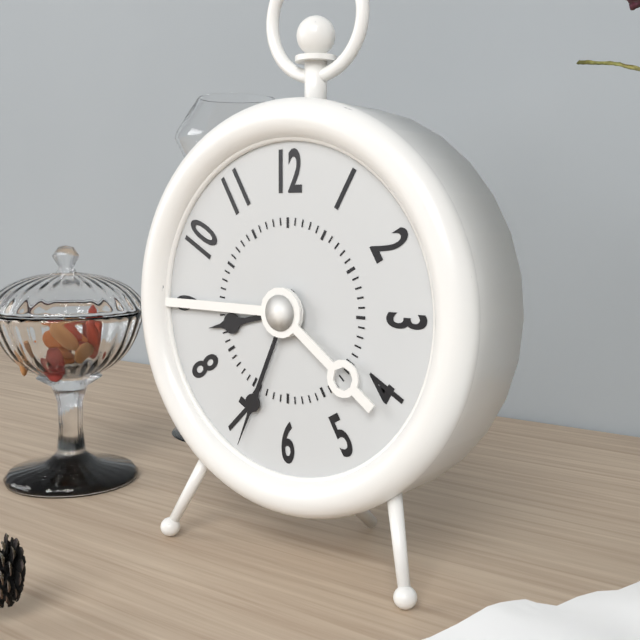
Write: 8:34
